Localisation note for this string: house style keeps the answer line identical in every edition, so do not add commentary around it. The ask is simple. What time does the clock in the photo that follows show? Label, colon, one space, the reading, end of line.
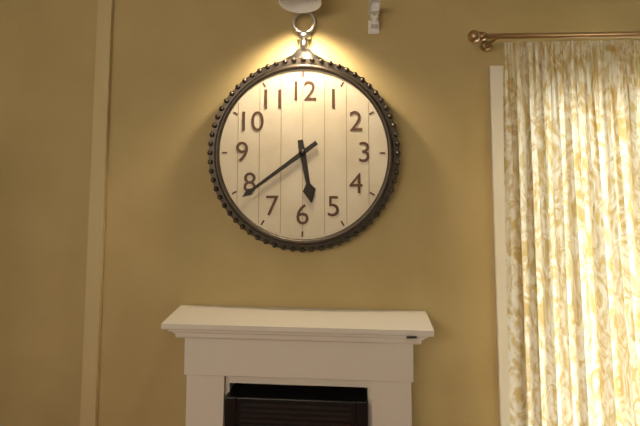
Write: 5:39
